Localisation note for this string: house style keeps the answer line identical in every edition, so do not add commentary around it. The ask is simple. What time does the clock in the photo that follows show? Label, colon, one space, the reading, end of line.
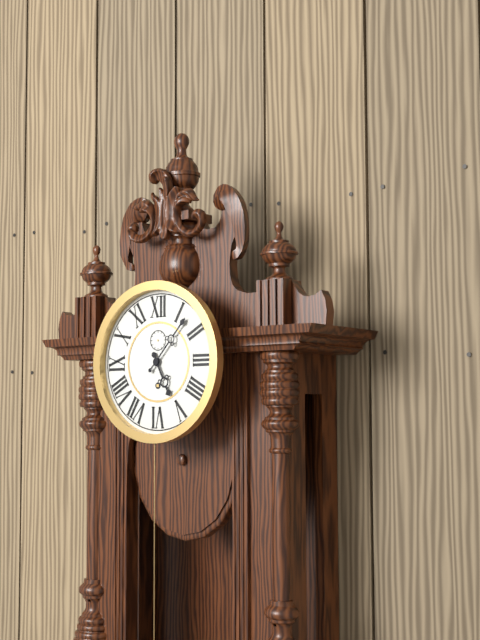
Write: 5:07
